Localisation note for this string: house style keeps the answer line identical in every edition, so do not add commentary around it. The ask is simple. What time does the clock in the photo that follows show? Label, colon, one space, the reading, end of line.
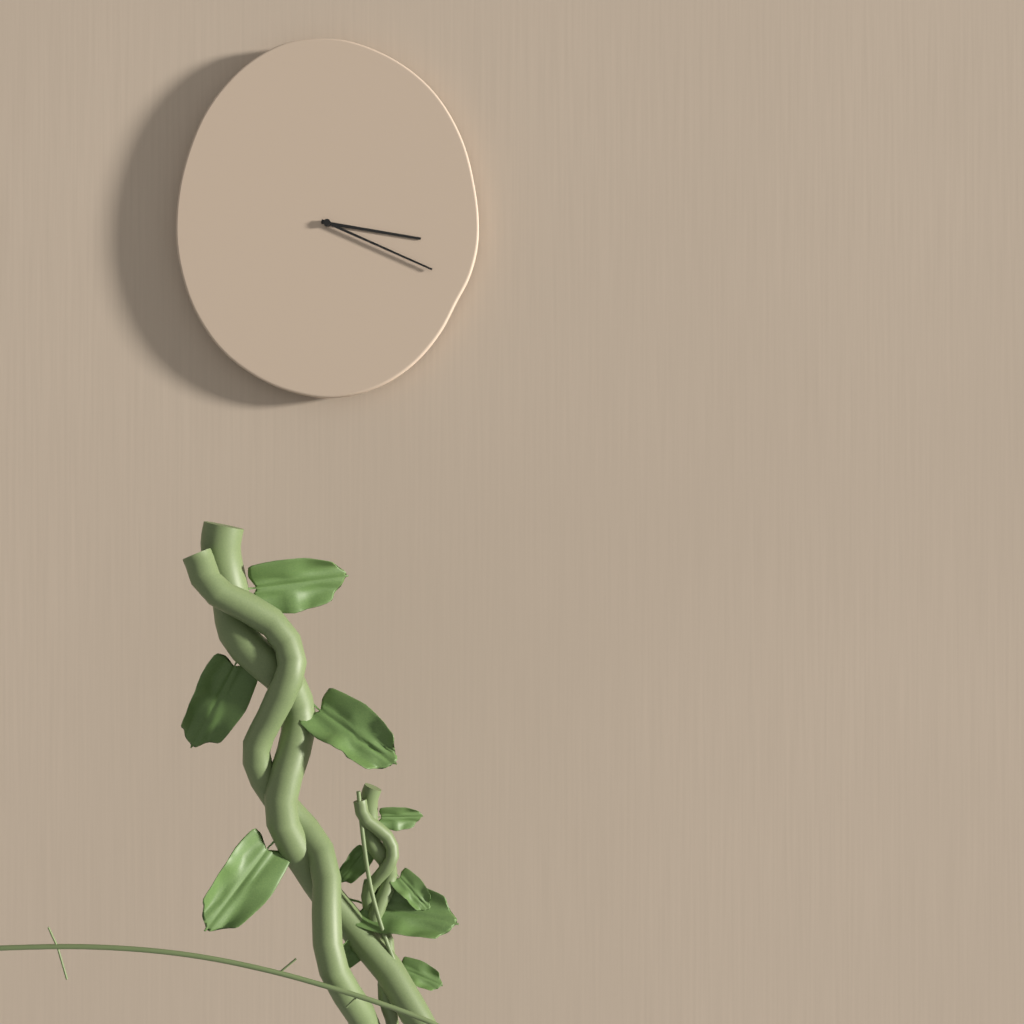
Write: 3:19
